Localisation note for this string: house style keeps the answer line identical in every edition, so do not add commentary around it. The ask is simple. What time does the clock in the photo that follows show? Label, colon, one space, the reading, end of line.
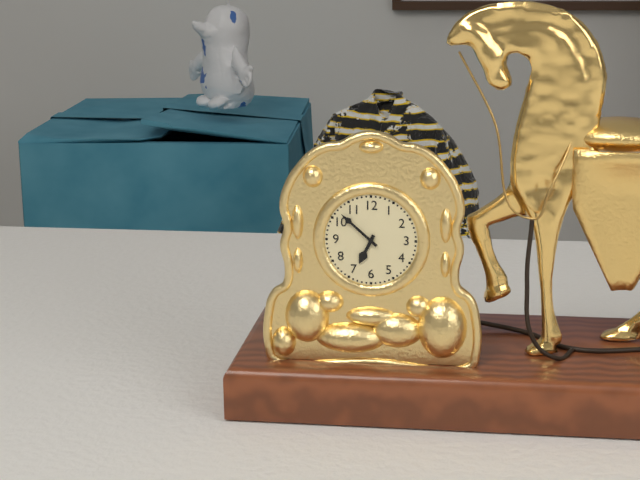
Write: 6:52
